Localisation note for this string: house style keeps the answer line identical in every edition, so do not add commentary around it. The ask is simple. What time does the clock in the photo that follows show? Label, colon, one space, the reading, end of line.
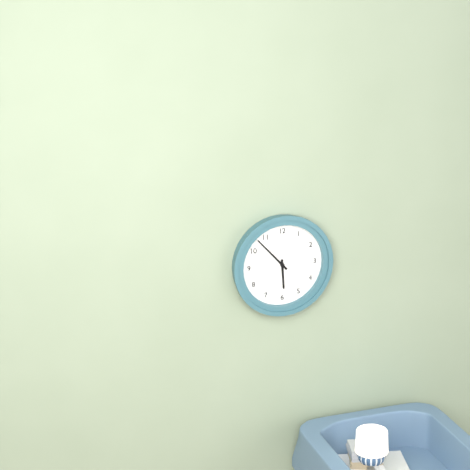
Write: 5:53
